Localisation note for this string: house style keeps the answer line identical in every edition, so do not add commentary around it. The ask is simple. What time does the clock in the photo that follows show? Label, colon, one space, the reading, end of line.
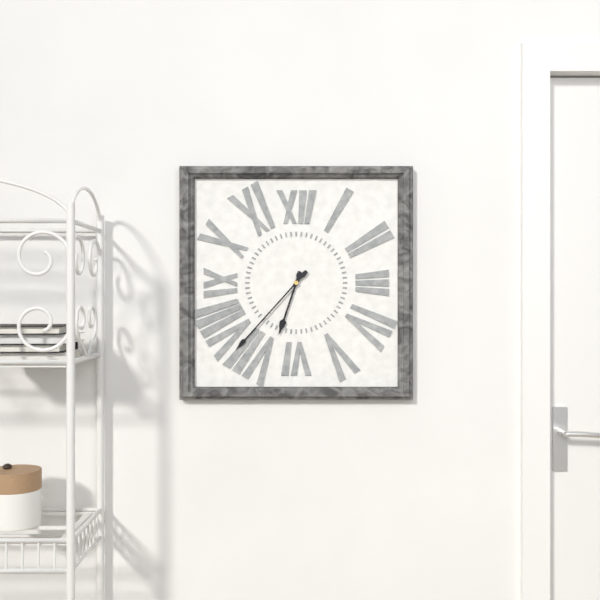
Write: 6:37
